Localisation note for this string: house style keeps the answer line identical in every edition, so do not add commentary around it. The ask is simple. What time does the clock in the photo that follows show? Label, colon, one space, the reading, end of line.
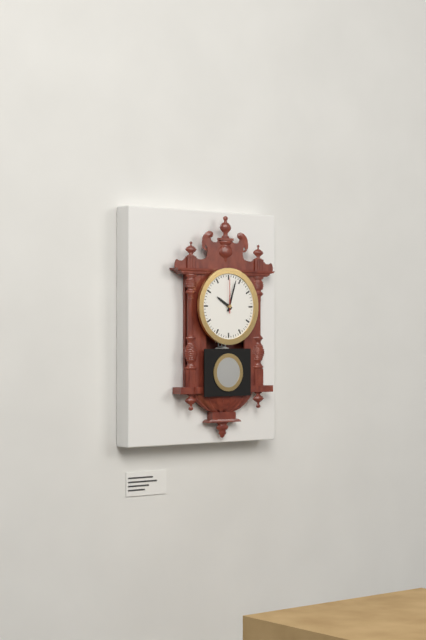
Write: 10:03
